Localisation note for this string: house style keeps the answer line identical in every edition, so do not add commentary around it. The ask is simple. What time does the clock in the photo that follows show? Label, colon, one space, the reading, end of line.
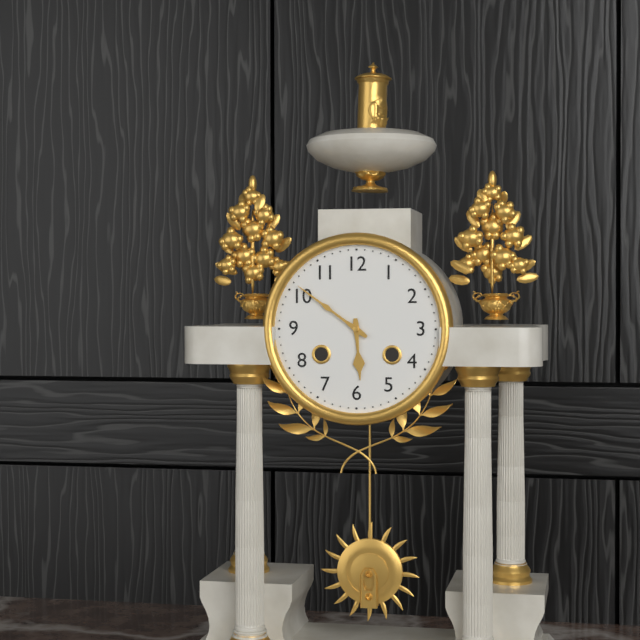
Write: 5:51
